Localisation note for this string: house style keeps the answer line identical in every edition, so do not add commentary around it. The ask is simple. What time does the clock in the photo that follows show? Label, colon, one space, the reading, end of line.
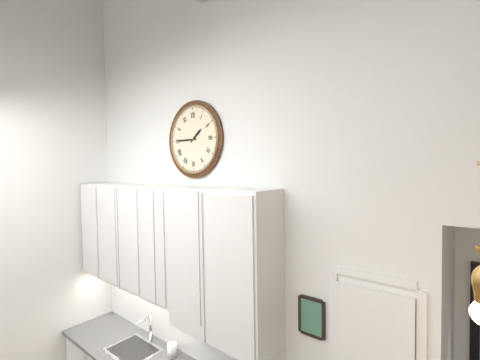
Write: 1:45
